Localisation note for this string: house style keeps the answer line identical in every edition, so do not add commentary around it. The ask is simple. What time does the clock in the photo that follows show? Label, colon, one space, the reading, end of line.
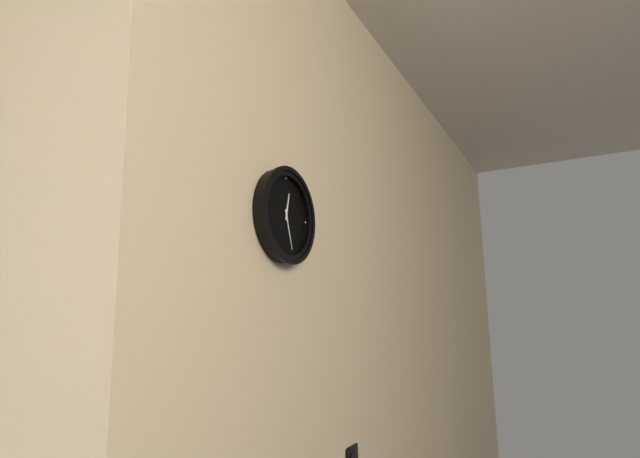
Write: 12:27
